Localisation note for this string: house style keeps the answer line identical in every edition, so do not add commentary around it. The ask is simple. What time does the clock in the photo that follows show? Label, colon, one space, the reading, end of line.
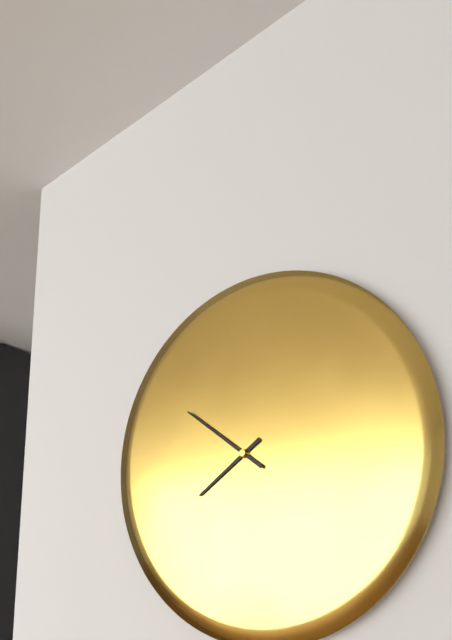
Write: 7:51
